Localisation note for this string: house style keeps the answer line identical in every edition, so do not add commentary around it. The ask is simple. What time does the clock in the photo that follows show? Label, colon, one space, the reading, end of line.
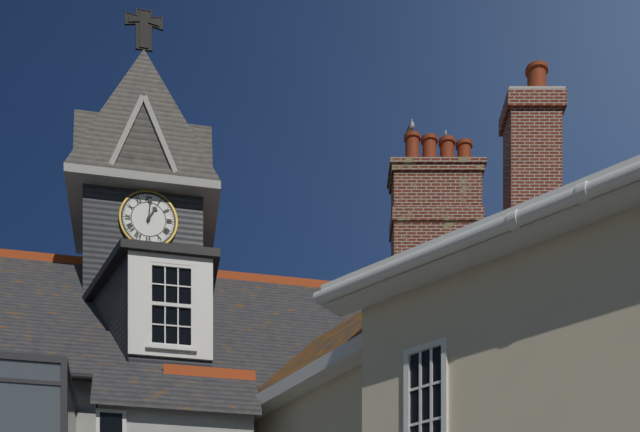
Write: 1:01
